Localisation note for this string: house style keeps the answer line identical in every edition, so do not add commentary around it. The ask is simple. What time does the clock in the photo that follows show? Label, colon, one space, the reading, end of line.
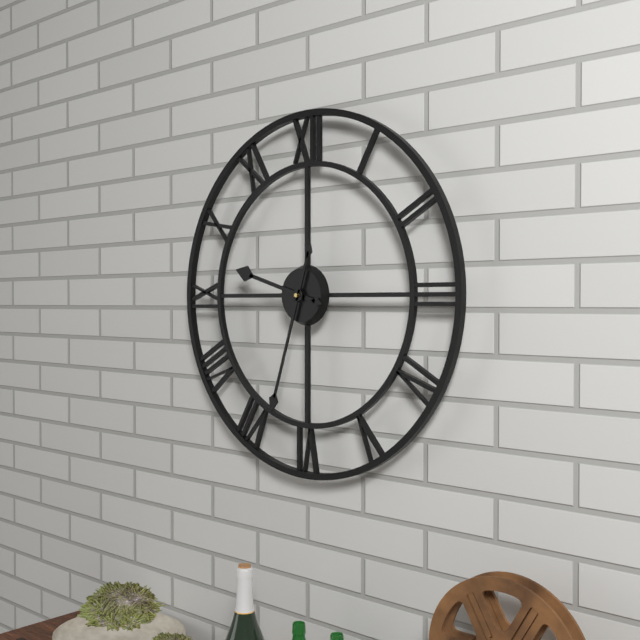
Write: 9:33
